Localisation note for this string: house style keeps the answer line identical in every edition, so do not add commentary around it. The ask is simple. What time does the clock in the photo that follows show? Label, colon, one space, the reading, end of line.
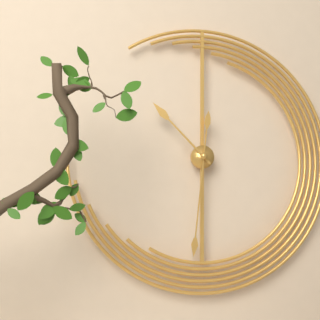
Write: 10:31
